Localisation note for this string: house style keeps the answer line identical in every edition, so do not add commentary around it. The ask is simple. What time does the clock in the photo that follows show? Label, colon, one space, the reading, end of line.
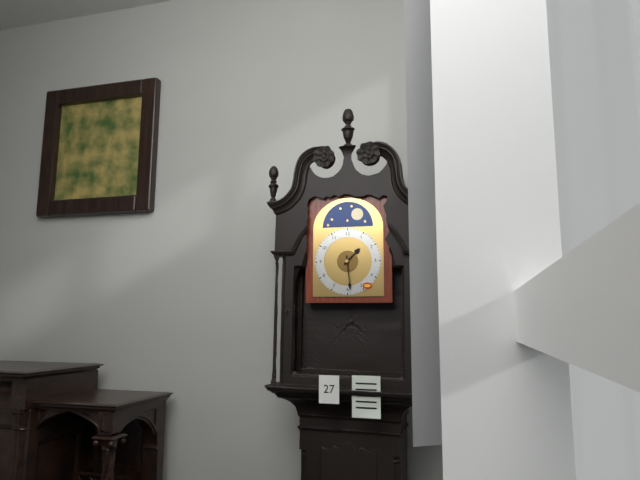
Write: 1:29
